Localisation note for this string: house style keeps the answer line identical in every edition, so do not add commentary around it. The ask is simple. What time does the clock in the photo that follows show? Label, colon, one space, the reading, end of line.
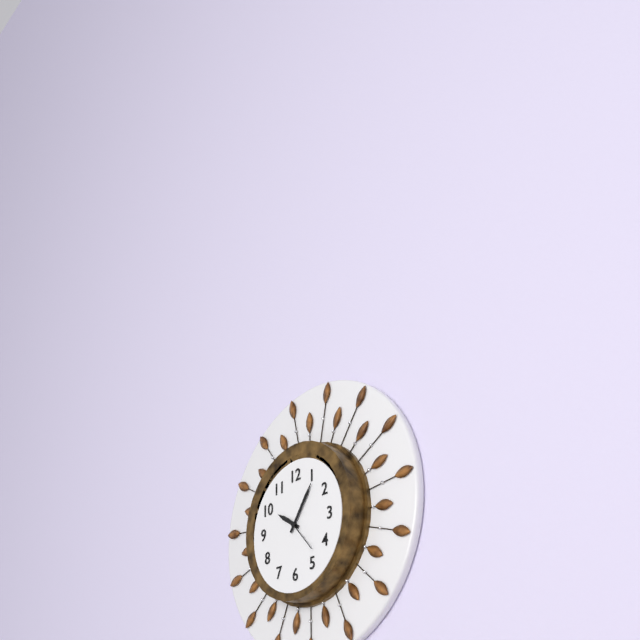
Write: 10:06
